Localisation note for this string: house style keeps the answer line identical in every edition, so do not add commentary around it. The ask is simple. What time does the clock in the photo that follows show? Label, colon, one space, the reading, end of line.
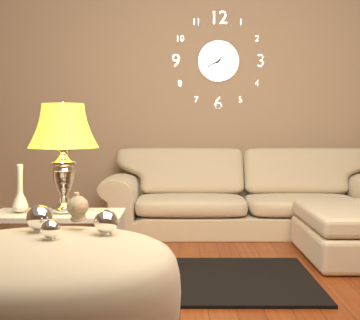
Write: 8:05
